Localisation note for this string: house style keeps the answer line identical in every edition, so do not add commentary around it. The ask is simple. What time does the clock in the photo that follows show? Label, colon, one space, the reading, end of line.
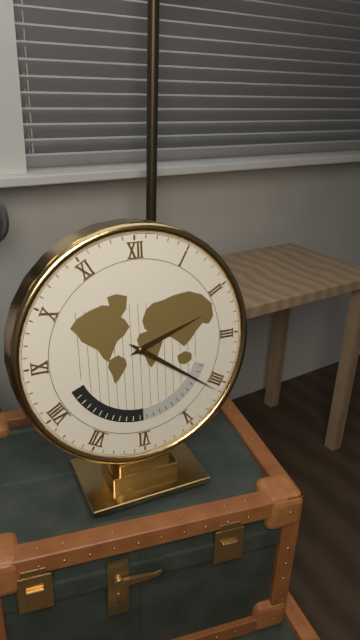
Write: 2:21
